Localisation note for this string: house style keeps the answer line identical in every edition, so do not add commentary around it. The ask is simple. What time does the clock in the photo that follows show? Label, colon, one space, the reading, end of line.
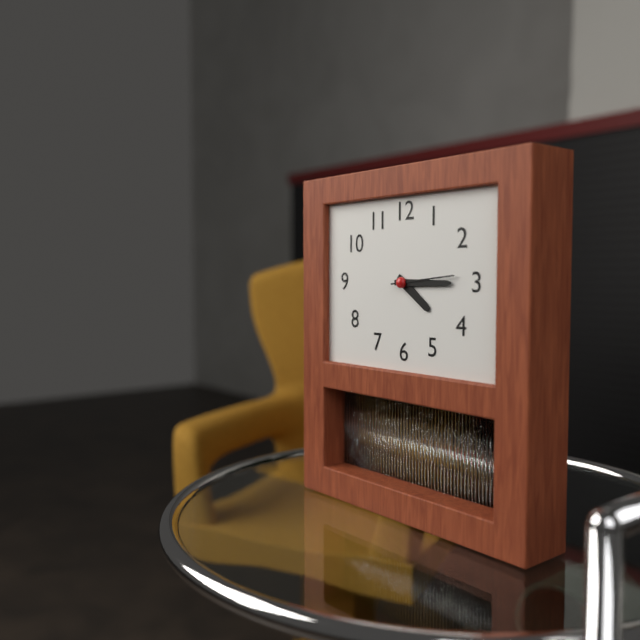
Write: 4:15:14
